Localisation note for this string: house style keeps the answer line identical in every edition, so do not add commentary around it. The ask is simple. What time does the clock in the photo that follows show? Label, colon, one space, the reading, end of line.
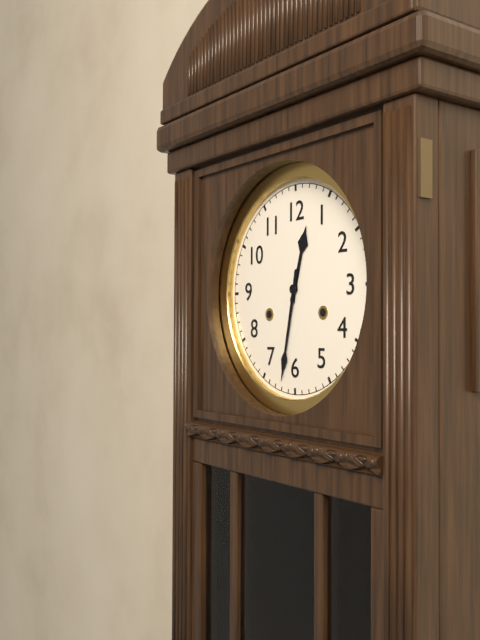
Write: 12:32
